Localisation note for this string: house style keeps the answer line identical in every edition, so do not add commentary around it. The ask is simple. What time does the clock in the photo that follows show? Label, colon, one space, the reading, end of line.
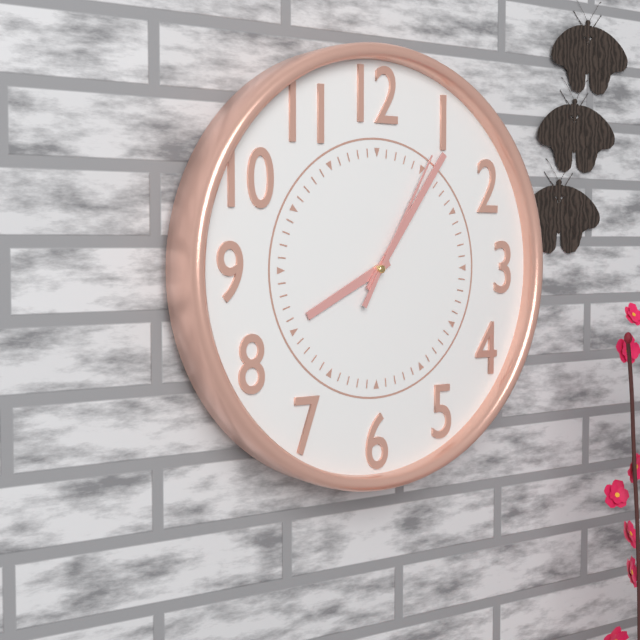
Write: 8:06:05
